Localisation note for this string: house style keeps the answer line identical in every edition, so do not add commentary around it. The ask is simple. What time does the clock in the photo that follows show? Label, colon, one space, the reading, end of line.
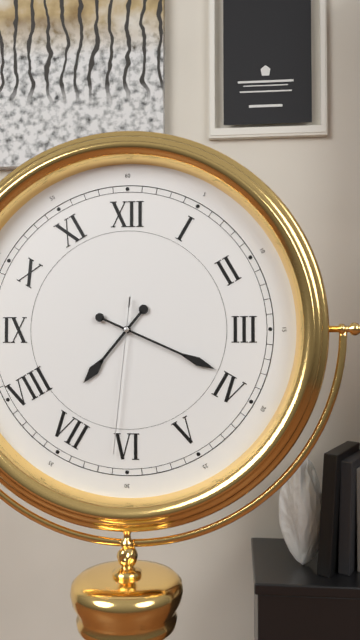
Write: 7:19:31
